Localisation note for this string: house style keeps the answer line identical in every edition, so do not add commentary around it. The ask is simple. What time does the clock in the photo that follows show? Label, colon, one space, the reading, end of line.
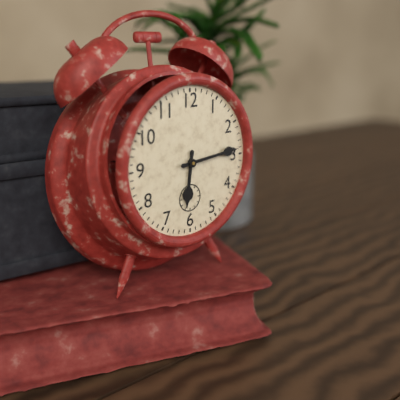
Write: 6:14
